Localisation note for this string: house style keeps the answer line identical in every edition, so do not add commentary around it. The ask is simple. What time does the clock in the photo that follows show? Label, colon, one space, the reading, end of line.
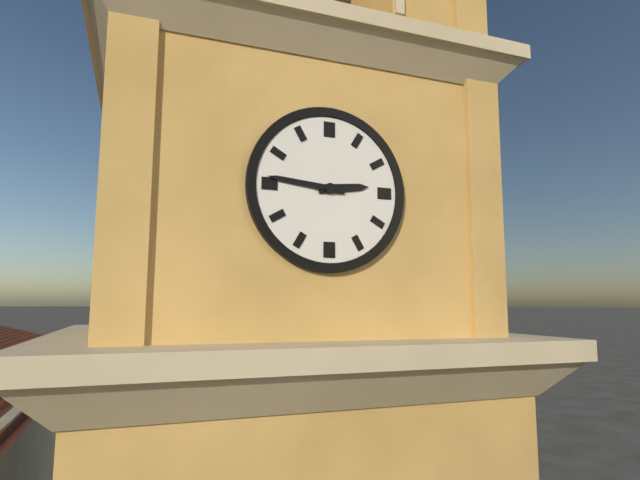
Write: 2:46
